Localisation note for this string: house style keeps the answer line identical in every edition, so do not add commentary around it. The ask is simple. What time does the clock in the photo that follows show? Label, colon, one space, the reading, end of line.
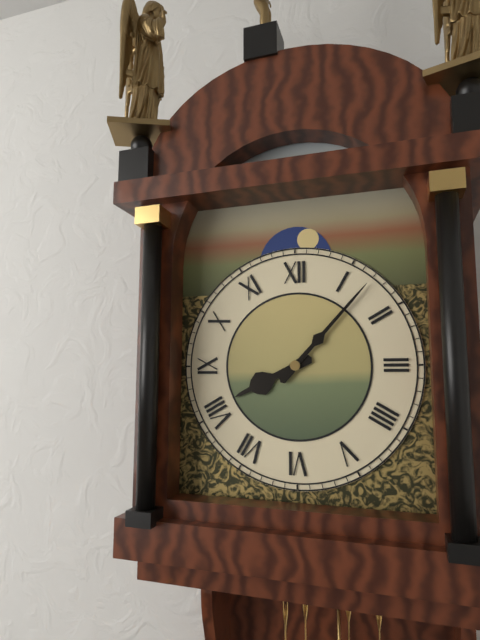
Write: 8:07
